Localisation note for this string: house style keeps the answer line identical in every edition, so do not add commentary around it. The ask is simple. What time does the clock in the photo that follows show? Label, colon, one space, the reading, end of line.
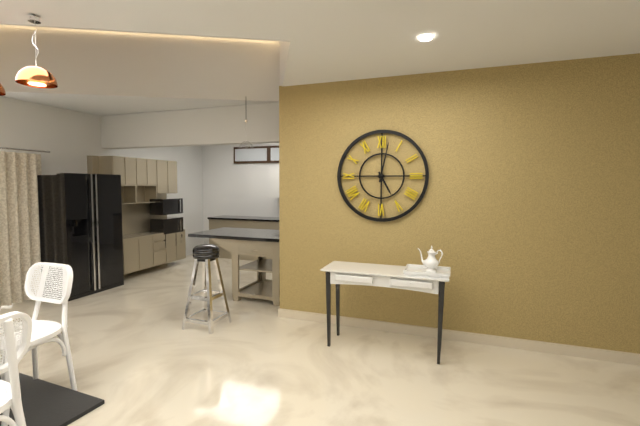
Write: 5:02
